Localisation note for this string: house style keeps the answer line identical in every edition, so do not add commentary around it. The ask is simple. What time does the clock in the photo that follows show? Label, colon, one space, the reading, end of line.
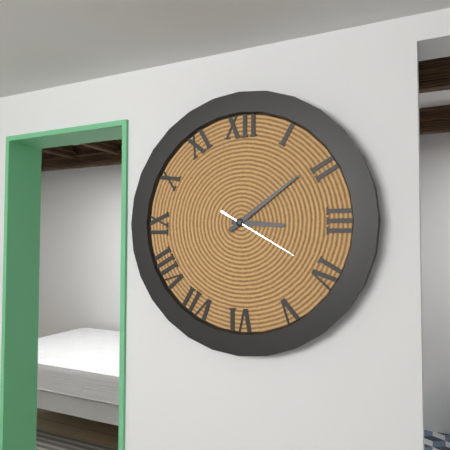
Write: 3:09:20
